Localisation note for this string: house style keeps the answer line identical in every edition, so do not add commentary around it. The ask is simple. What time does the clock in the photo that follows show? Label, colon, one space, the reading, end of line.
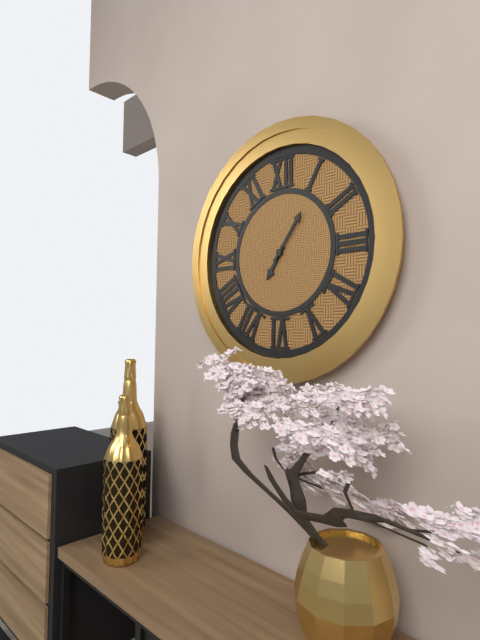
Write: 7:06
